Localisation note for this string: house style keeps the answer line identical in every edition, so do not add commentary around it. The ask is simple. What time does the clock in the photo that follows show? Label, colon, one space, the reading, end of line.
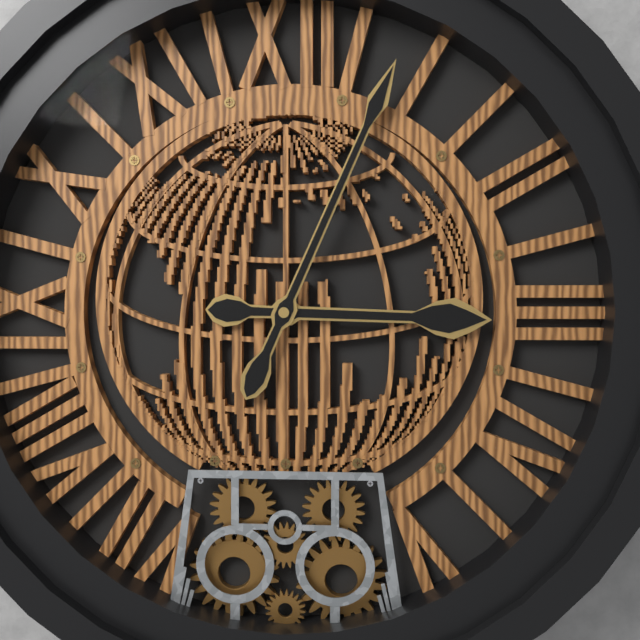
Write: 3:04
